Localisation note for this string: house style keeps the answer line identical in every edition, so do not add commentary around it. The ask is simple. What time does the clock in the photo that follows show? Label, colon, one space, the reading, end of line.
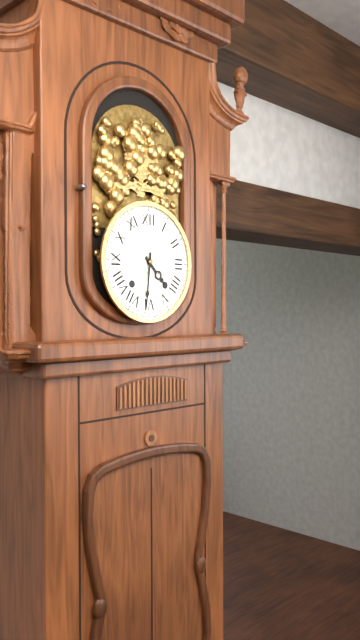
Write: 4:31
